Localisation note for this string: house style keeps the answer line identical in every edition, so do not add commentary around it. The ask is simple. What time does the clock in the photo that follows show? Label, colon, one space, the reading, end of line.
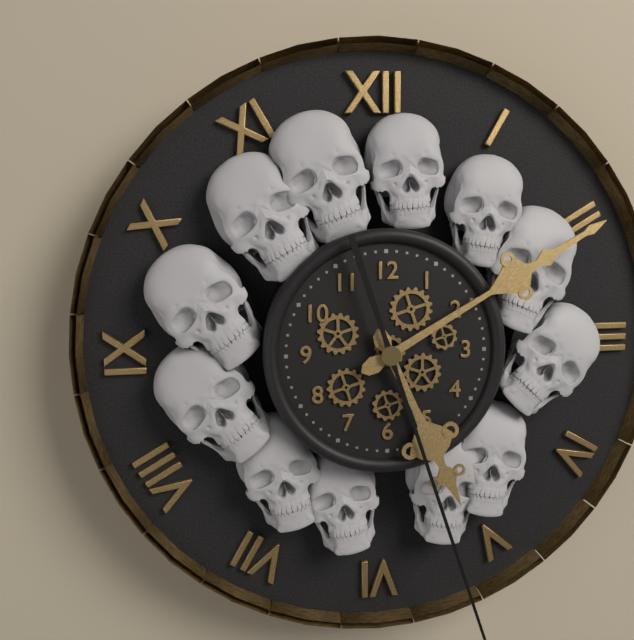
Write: 5:10
